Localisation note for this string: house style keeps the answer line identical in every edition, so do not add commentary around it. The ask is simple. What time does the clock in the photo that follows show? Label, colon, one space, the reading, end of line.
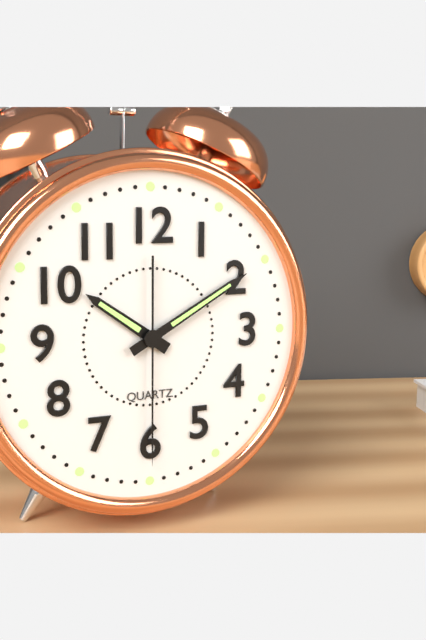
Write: 10:10:30
